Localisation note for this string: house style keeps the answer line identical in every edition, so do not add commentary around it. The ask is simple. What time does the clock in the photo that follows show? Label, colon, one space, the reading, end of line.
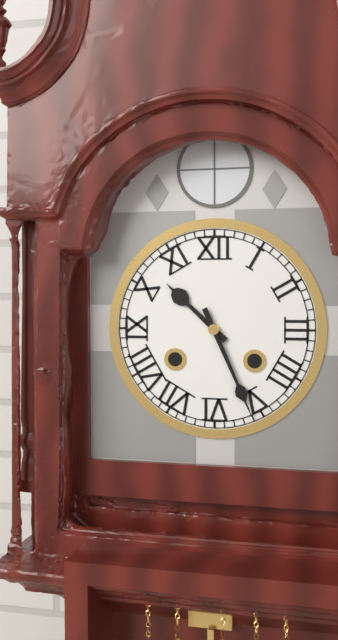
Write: 10:26
